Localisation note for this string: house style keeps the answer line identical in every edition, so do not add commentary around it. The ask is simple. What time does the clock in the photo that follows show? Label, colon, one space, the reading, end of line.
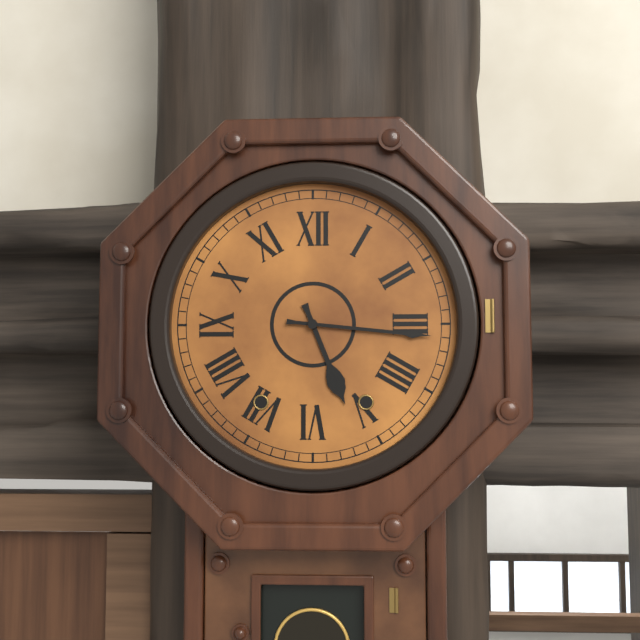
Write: 5:16
